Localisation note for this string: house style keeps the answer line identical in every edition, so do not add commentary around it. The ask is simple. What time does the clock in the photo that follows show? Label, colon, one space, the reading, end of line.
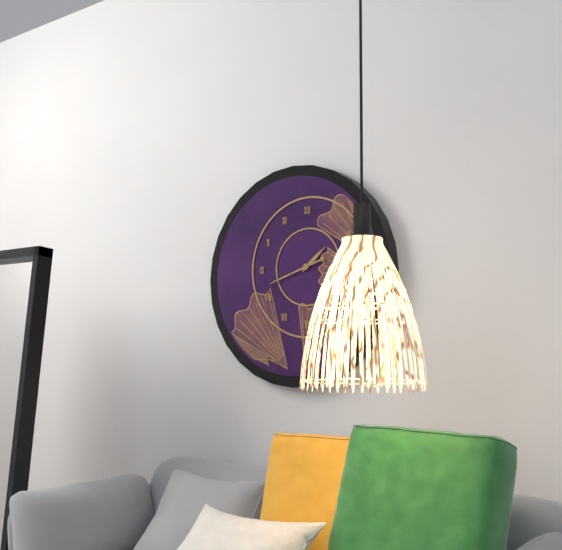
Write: 1:42
